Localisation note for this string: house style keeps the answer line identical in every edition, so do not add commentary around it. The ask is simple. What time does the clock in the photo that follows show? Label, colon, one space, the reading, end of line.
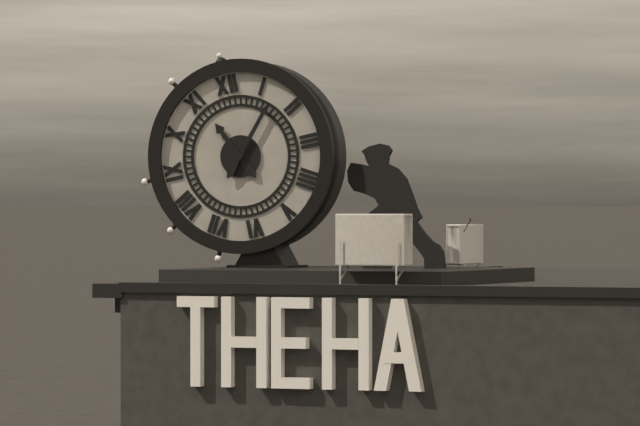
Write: 11:07
